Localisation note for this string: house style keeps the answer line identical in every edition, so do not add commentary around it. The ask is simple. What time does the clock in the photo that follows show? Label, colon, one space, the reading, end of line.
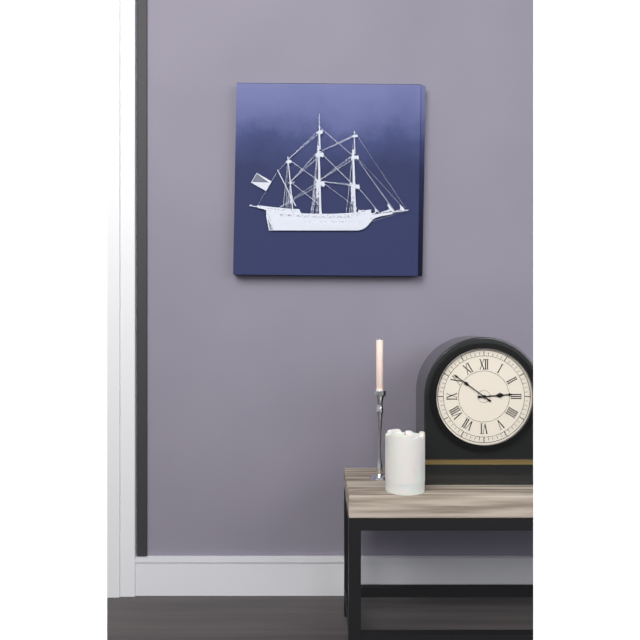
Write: 2:51
